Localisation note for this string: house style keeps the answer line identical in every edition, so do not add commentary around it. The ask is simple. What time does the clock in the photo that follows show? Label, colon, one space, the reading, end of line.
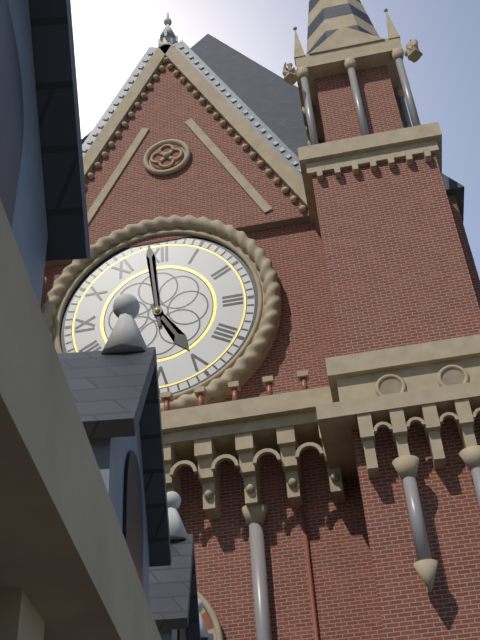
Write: 4:59
